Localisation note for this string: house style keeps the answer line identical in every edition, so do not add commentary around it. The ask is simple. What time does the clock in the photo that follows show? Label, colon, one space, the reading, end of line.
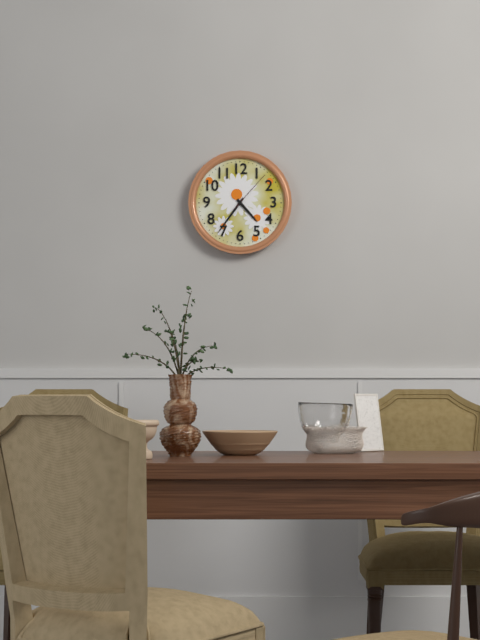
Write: 4:36
